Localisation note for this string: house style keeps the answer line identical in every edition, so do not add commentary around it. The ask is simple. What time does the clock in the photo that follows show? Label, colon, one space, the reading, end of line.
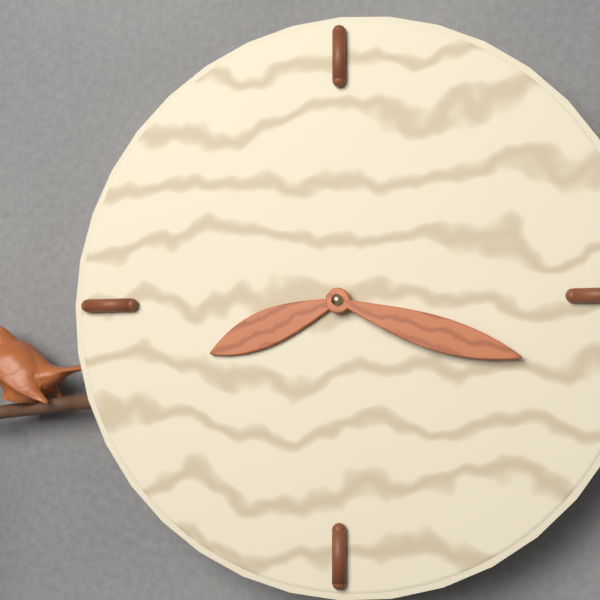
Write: 8:18
